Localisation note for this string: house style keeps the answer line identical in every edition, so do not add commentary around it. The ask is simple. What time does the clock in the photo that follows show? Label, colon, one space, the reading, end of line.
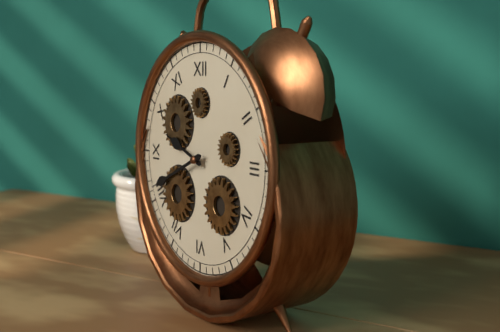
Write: 9:41
